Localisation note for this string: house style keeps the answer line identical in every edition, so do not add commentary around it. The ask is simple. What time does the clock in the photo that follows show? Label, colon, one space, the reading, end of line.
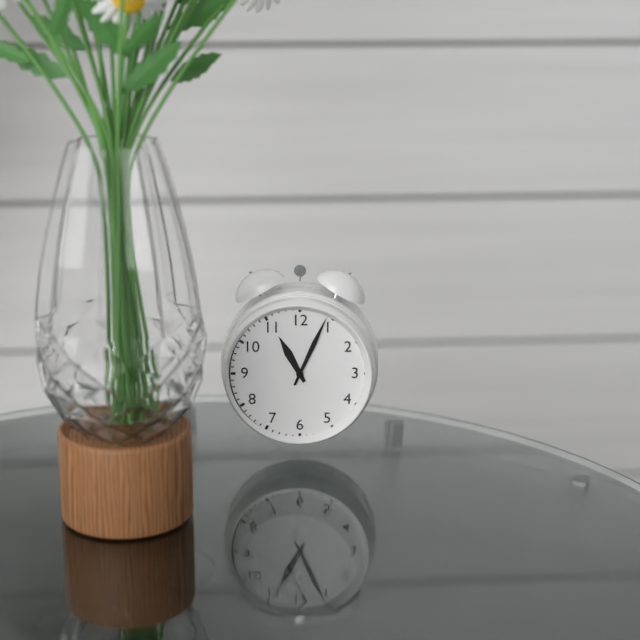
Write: 11:04
